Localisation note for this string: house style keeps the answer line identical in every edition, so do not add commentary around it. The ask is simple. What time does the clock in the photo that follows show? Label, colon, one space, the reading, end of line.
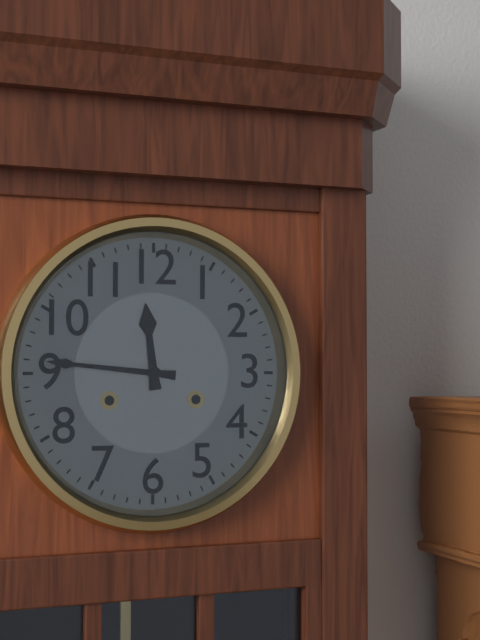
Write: 11:46
